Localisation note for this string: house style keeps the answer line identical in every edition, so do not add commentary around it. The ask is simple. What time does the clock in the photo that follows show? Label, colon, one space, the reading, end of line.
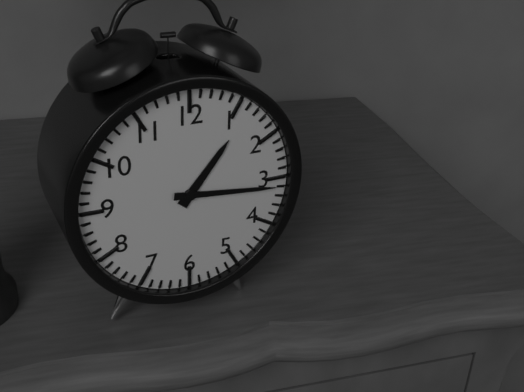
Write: 1:16
